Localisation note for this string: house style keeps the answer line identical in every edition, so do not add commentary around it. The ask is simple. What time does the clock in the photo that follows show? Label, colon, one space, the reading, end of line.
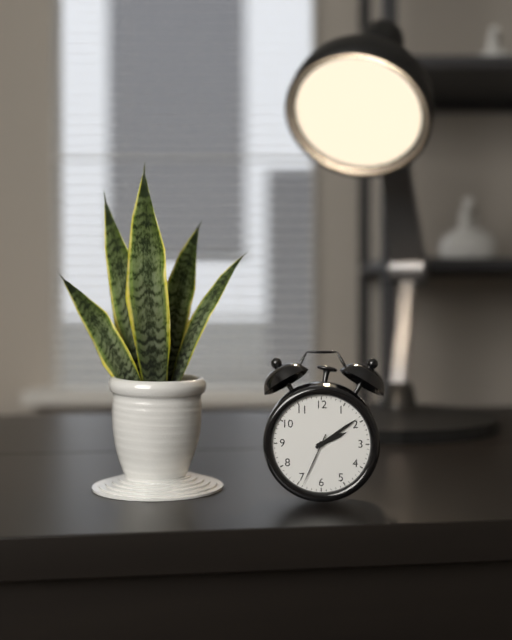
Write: 2:09:34
